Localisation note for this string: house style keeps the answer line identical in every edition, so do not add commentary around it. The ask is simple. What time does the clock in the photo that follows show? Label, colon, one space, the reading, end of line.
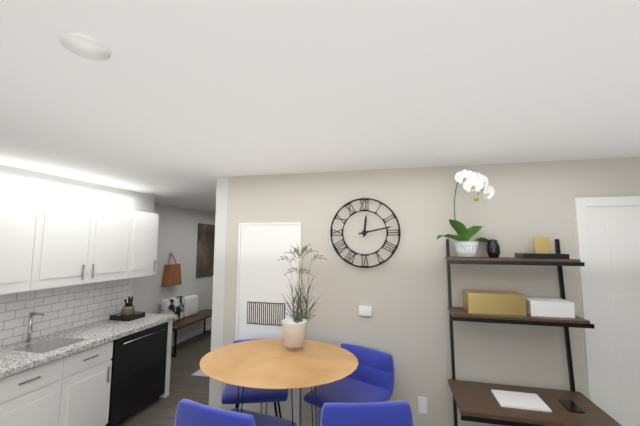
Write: 12:13
